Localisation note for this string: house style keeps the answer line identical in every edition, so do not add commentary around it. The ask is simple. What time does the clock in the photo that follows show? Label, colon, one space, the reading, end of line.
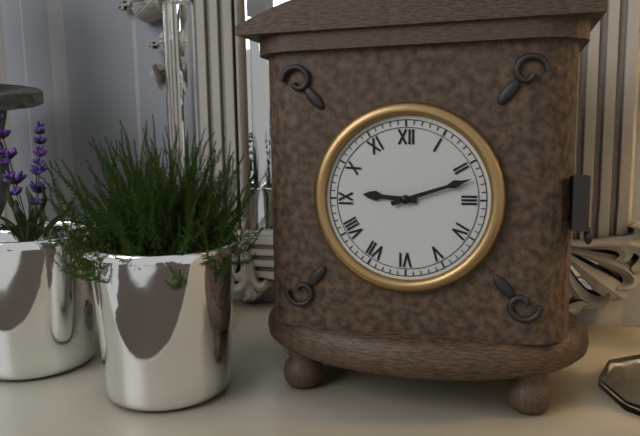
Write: 9:12
